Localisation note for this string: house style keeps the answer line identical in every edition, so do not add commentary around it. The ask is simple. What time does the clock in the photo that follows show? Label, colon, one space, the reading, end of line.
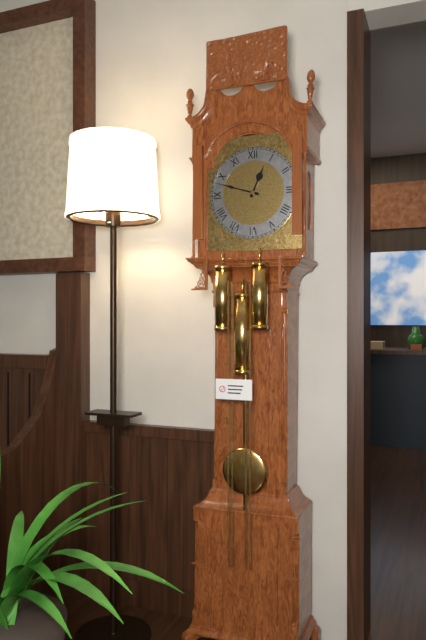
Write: 12:48
